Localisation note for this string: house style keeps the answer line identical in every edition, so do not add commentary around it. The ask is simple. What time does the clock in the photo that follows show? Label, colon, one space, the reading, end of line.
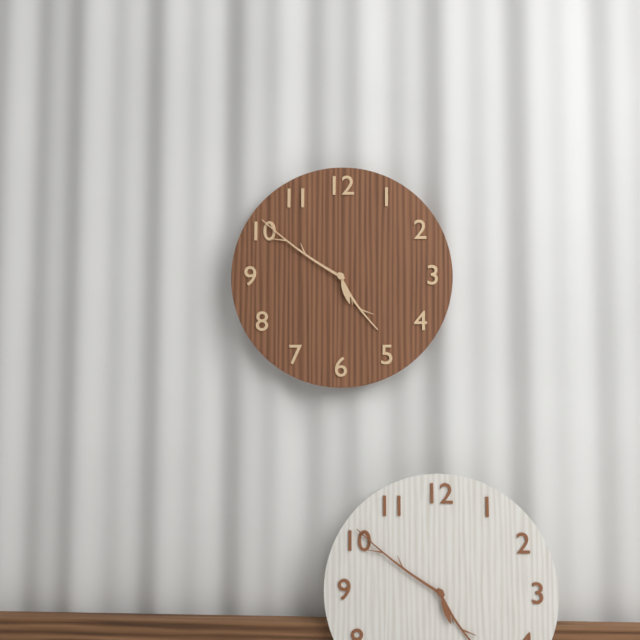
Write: 4:51
